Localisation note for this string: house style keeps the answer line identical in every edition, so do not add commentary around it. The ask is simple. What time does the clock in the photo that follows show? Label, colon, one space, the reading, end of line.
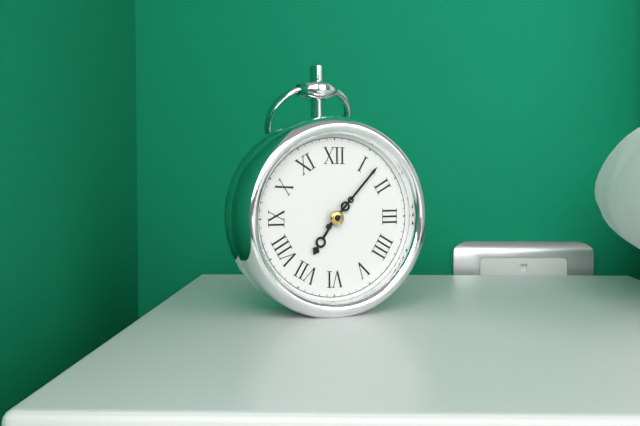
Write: 7:07
